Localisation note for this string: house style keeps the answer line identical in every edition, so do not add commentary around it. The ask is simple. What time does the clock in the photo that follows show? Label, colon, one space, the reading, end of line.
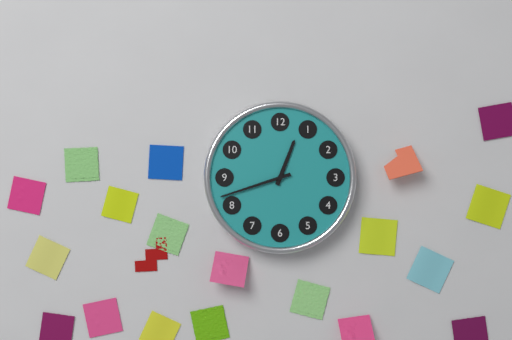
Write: 12:42
